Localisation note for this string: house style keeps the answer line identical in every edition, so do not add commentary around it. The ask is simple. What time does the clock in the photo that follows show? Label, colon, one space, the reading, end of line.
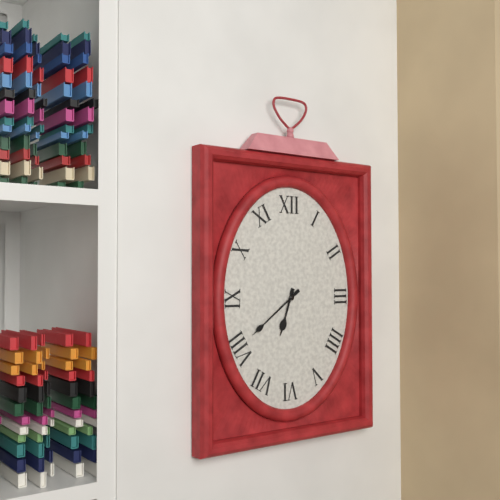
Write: 6:39
